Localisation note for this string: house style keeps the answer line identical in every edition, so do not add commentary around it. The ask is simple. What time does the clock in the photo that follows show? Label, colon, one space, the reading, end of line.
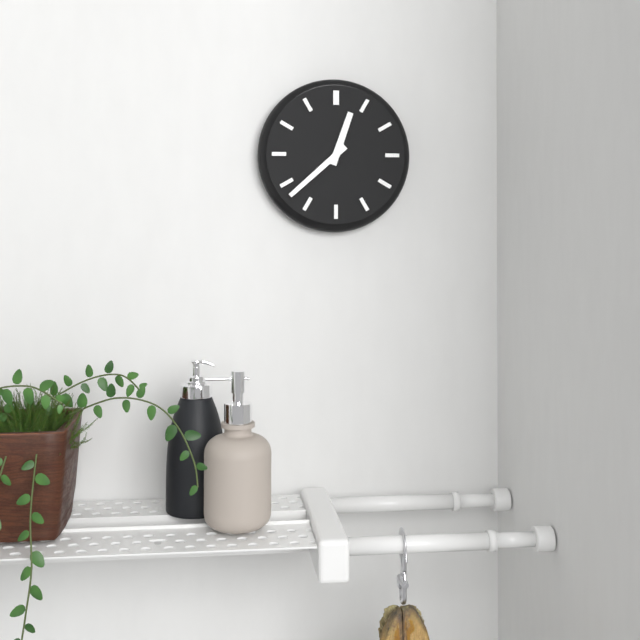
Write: 12:38
